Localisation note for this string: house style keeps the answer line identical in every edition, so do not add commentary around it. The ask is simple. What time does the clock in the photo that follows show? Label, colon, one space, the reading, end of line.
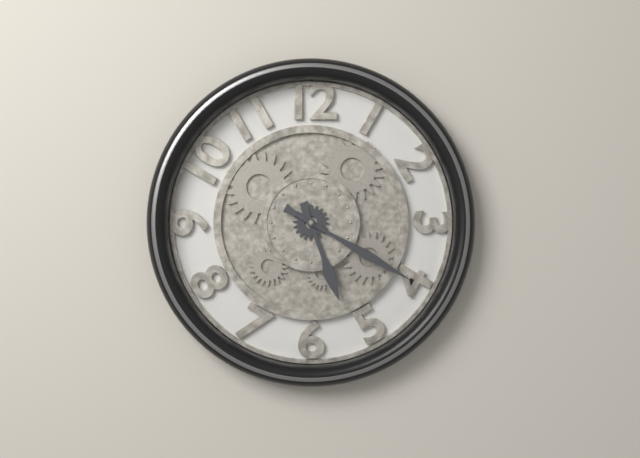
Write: 5:20
